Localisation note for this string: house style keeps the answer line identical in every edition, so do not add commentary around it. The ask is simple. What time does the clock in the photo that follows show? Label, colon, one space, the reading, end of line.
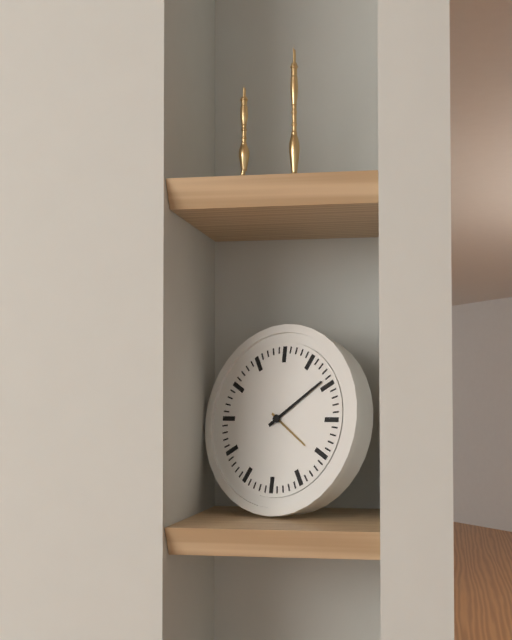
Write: 4:09
